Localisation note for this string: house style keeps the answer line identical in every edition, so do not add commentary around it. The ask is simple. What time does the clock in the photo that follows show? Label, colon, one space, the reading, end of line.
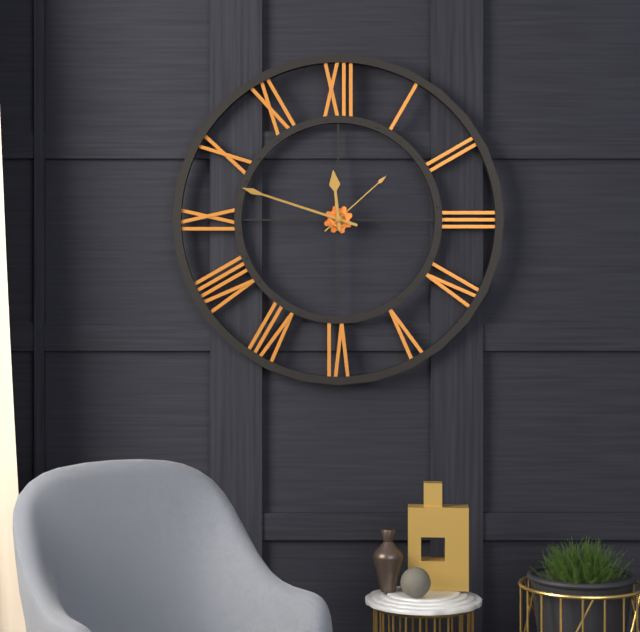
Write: 11:48:08
